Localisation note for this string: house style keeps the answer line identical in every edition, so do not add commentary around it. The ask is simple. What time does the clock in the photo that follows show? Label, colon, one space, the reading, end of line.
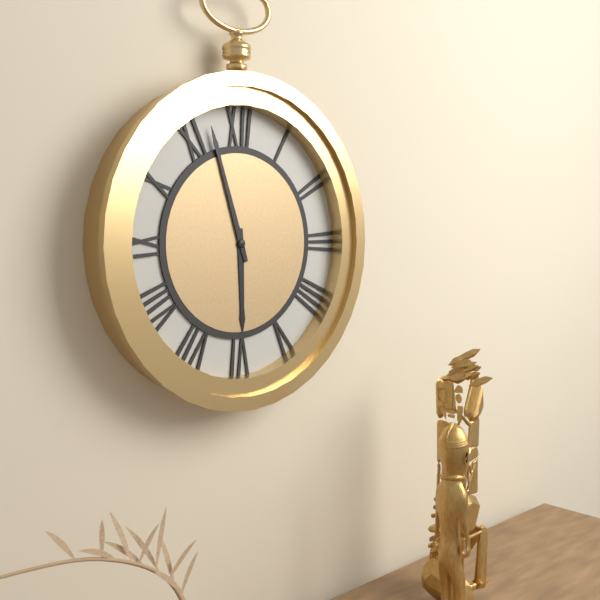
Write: 5:57
